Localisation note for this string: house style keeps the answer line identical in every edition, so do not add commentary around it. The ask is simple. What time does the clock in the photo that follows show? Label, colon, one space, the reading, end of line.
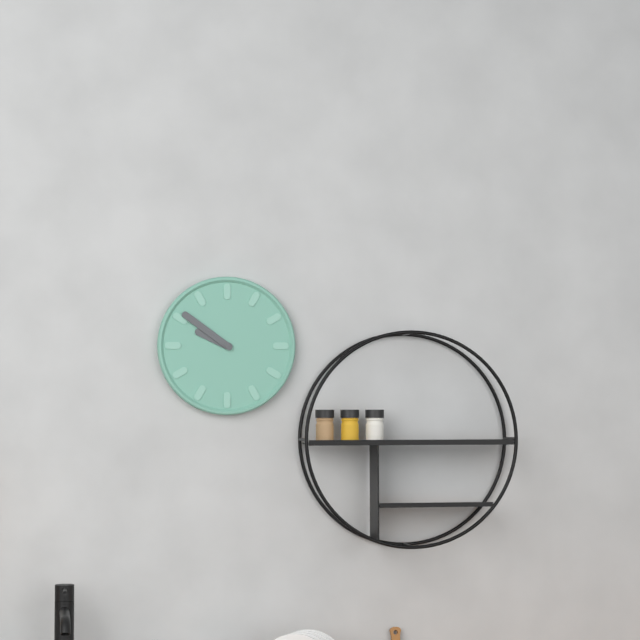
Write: 9:51
